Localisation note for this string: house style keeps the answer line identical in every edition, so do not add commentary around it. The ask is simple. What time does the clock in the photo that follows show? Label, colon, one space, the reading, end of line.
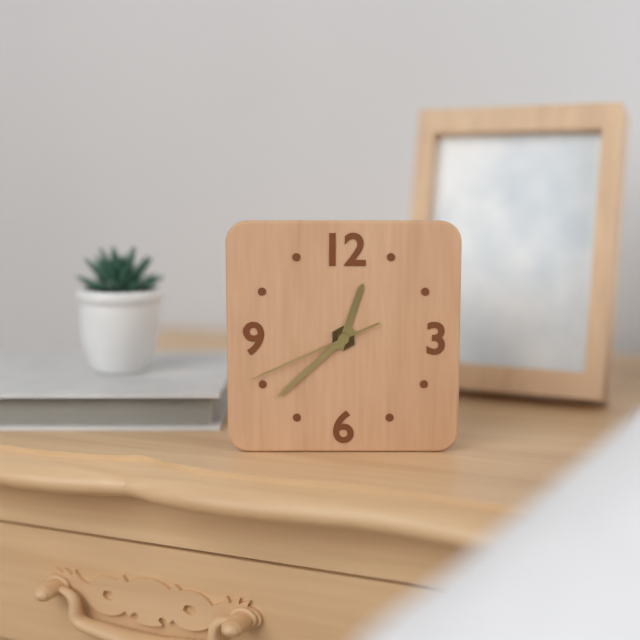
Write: 12:38:41
